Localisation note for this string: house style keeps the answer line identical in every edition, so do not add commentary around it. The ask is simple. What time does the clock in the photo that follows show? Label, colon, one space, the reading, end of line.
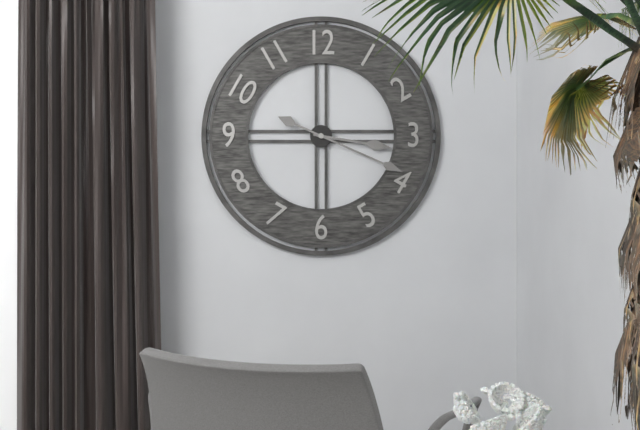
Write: 3:19
